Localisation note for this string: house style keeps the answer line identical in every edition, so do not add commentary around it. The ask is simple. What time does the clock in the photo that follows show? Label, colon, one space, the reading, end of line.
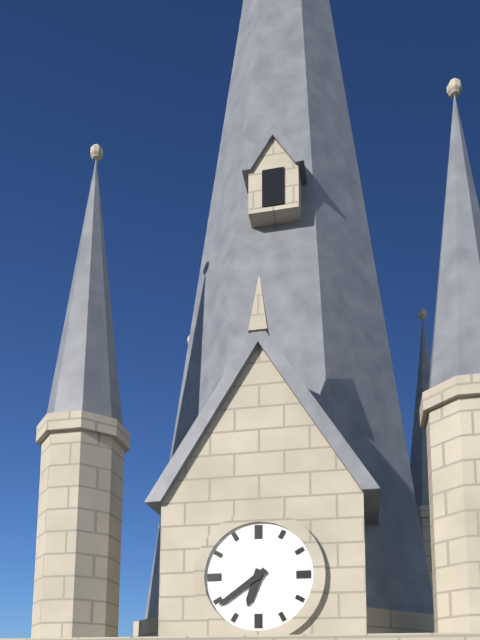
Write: 6:39
